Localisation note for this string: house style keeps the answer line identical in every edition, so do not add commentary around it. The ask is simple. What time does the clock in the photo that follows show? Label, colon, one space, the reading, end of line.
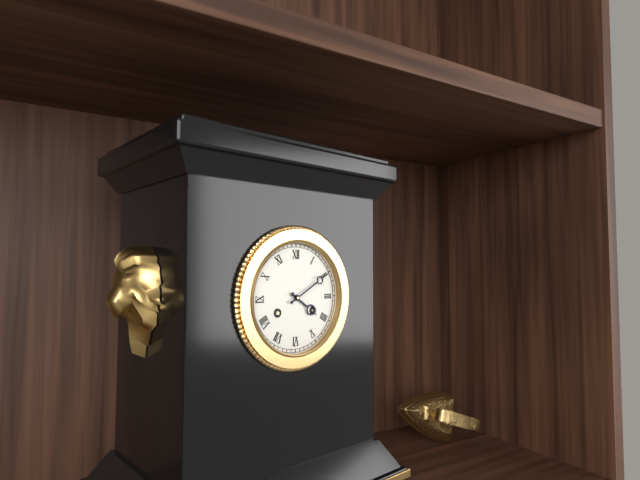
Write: 4:10
